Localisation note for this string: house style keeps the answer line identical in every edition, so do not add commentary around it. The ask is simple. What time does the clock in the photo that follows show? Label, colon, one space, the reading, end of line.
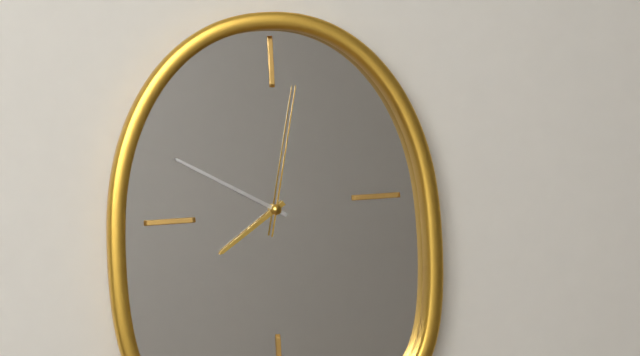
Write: 7:50:02
